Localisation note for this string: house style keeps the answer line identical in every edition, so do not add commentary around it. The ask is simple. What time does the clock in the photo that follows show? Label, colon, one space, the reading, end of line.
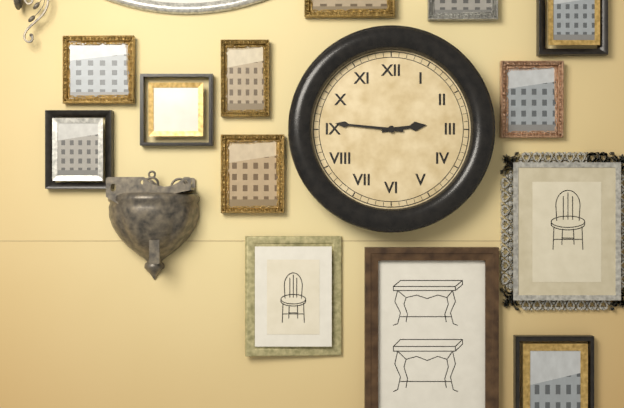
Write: 2:46
